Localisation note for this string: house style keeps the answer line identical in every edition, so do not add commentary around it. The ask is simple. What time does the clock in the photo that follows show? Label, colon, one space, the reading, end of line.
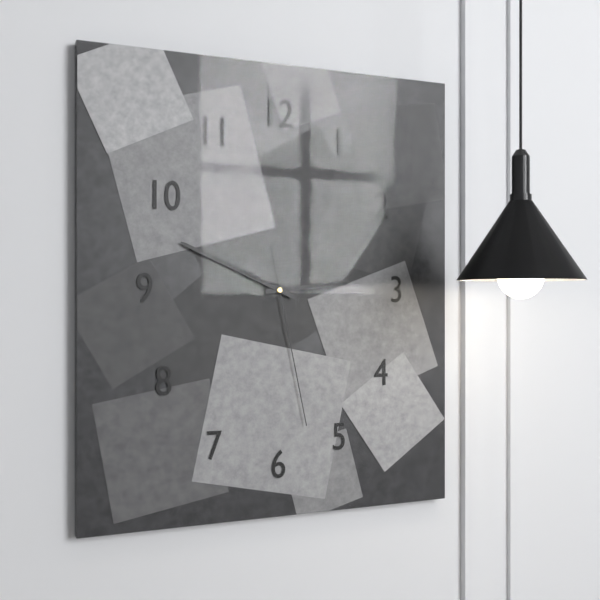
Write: 2:49:28
